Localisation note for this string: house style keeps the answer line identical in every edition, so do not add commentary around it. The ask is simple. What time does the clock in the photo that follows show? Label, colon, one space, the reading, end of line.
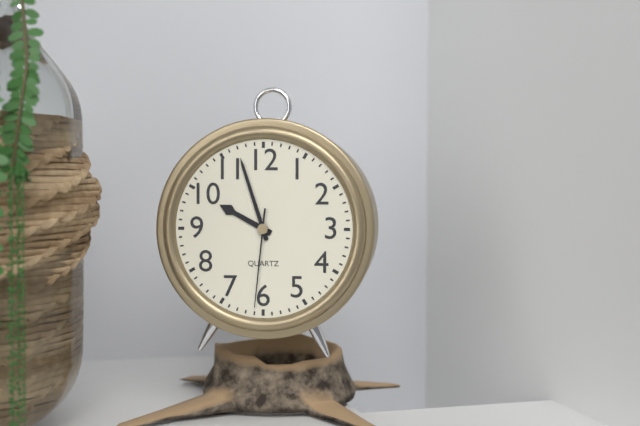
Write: 9:57:31
